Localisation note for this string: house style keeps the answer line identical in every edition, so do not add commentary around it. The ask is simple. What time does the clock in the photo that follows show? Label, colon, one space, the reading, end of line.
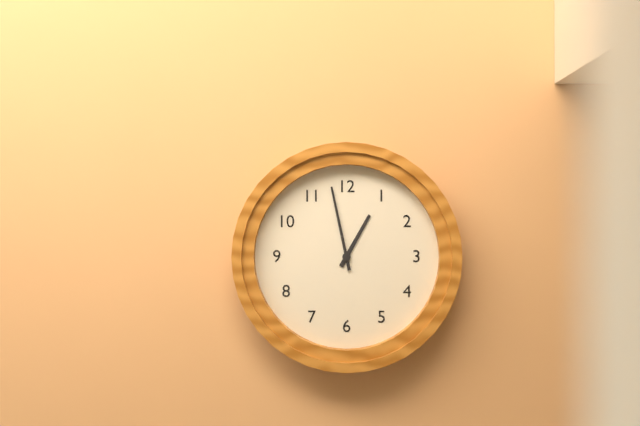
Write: 12:58
